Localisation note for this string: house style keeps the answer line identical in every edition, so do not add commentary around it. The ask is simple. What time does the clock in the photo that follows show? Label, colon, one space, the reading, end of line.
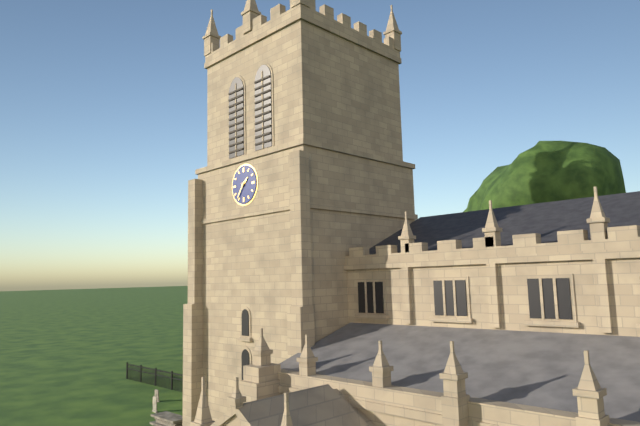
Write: 1:36
